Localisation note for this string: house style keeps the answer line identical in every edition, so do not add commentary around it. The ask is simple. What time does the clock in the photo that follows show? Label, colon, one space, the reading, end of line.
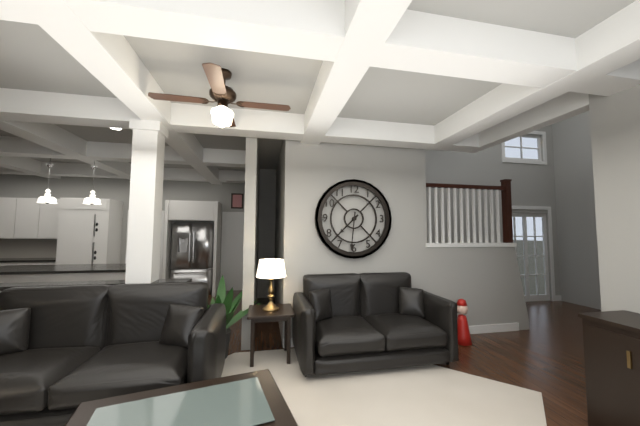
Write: 7:31
